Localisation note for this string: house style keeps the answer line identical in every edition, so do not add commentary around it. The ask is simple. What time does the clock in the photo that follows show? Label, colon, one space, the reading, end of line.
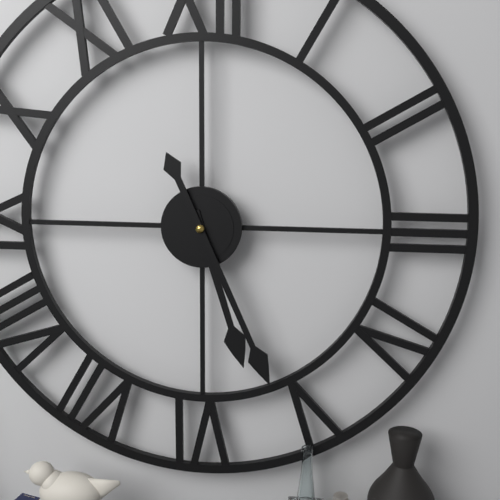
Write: 5:26
